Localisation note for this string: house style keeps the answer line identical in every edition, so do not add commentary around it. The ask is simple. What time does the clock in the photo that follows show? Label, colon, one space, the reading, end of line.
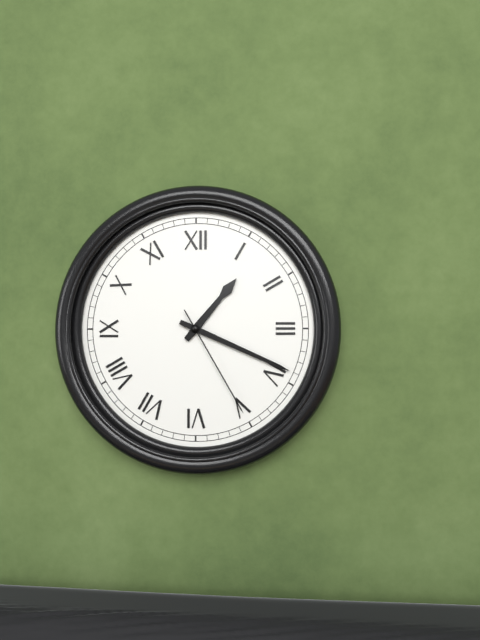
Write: 1:19:25
